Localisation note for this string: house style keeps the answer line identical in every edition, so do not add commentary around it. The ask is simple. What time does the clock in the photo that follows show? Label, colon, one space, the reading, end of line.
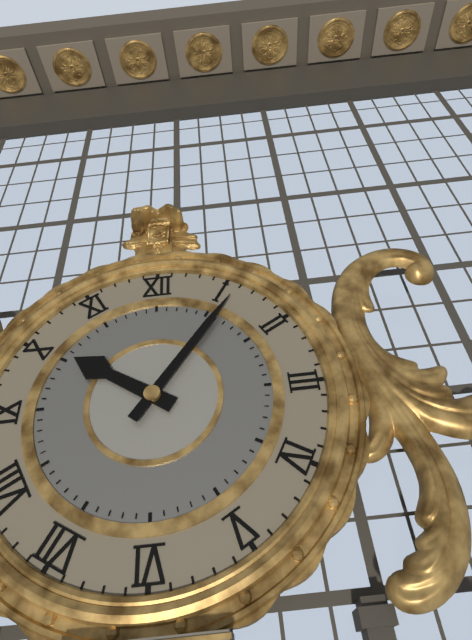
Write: 10:06
